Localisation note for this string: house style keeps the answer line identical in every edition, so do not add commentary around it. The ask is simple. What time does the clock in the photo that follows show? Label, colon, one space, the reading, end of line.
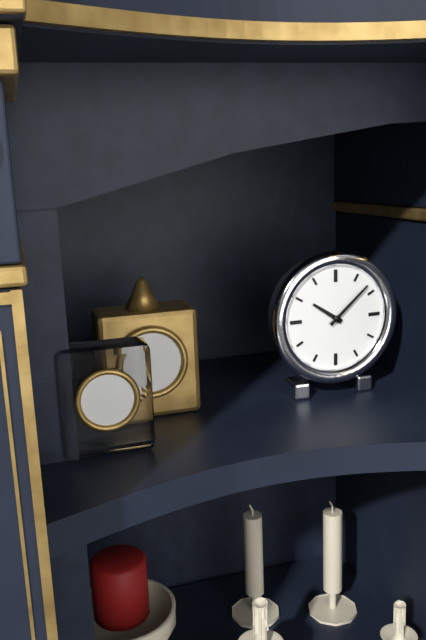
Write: 10:08
